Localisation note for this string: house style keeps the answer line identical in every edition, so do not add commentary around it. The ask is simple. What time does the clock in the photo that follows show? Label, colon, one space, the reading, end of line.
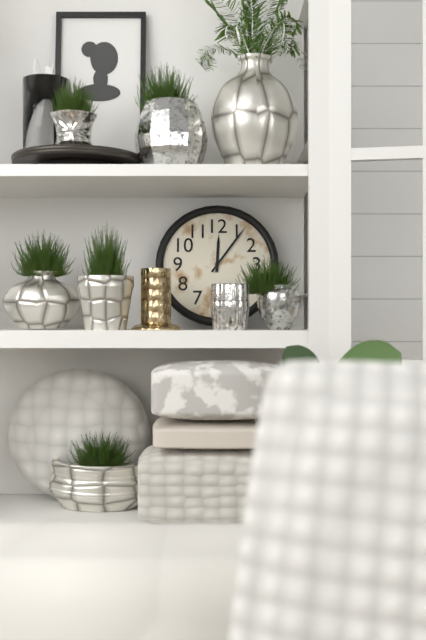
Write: 12:06
